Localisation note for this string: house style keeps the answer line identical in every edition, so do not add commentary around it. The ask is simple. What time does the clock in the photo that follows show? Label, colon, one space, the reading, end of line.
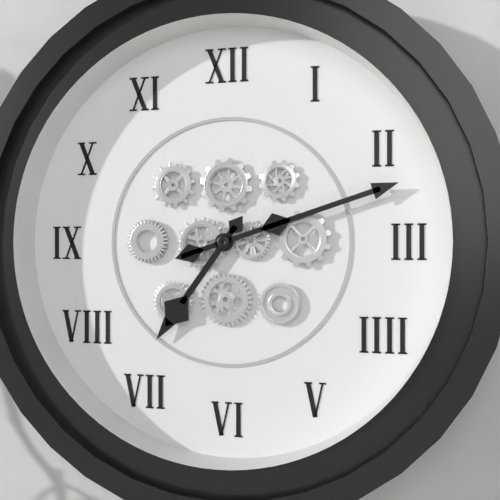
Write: 7:12
